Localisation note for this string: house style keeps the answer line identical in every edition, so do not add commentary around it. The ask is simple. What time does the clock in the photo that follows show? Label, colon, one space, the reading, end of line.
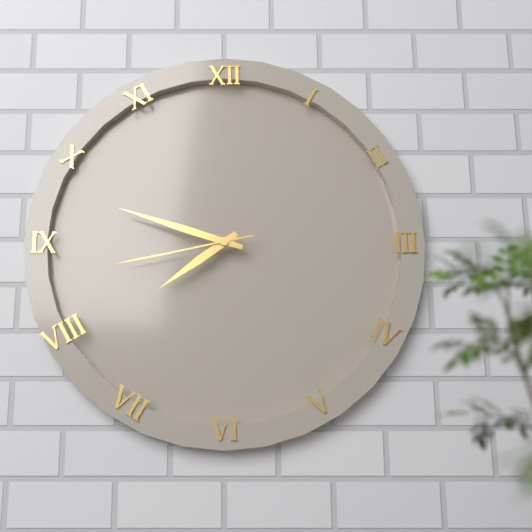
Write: 7:48:43
